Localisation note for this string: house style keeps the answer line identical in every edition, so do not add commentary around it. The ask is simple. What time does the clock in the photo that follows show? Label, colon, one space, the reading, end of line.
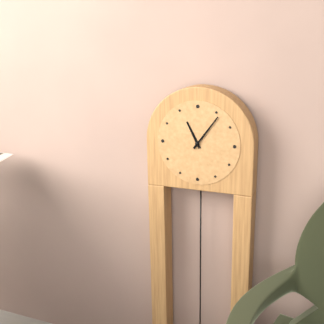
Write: 11:06
